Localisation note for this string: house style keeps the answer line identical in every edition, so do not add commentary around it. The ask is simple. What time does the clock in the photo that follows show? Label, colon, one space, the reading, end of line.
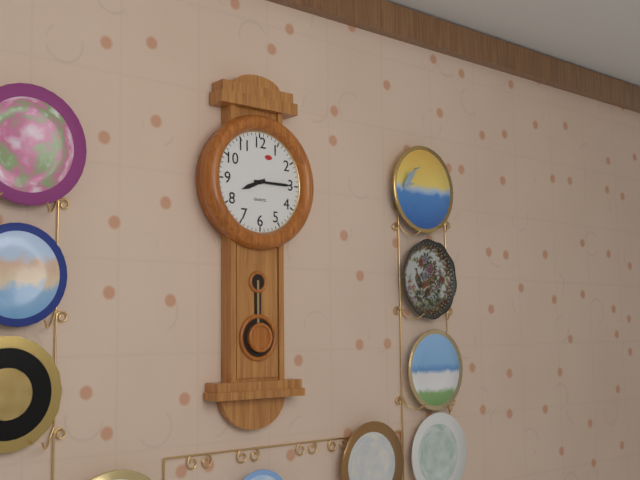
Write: 8:15
